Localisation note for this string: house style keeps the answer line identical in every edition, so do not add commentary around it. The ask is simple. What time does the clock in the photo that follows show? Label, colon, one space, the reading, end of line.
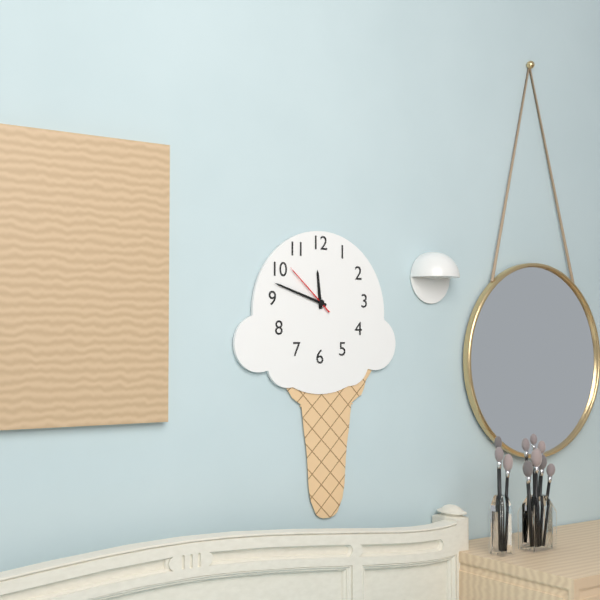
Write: 11:48:52
